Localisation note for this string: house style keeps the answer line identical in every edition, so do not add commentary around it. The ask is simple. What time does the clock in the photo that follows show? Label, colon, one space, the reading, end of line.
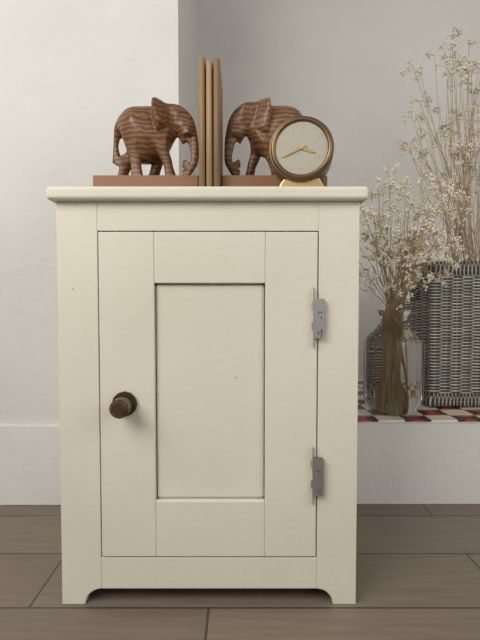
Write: 3:41
